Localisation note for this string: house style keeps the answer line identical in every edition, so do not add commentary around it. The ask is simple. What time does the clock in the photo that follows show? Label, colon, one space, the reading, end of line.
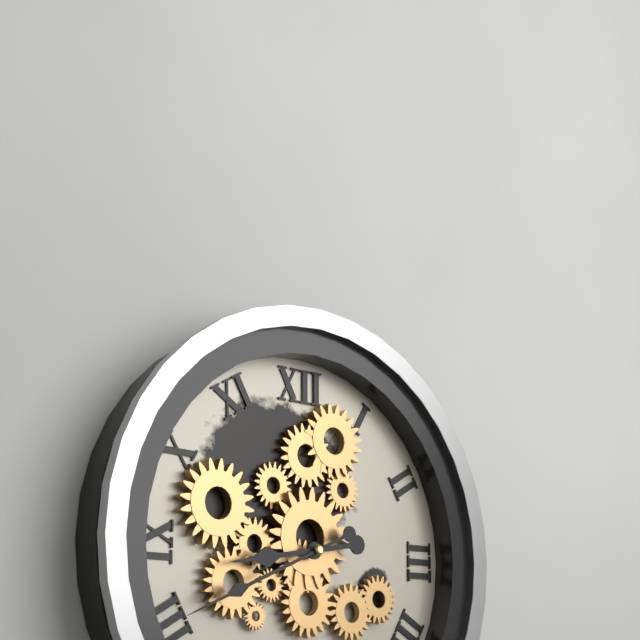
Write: 8:41
